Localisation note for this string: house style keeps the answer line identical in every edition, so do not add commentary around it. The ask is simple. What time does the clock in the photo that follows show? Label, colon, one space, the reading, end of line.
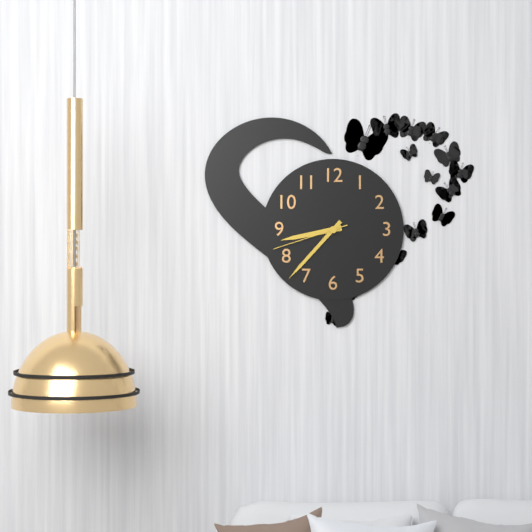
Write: 8:37:42
